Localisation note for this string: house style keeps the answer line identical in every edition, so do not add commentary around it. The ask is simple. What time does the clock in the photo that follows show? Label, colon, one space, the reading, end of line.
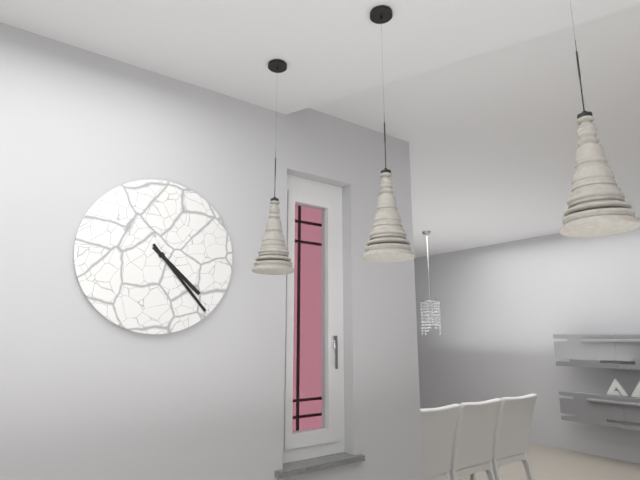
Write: 4:23
